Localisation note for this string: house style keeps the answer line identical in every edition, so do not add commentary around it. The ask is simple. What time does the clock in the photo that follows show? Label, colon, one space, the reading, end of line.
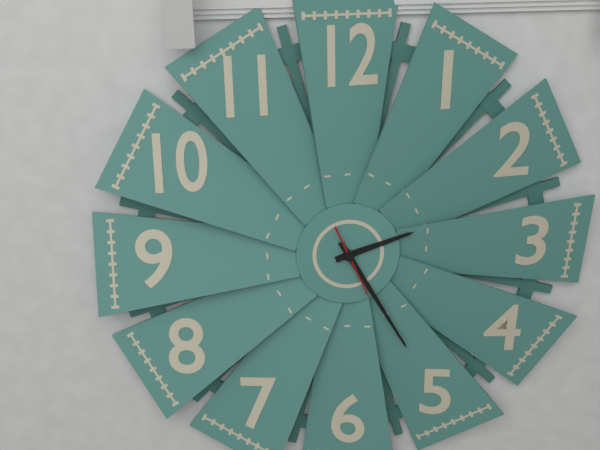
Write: 2:25:26
